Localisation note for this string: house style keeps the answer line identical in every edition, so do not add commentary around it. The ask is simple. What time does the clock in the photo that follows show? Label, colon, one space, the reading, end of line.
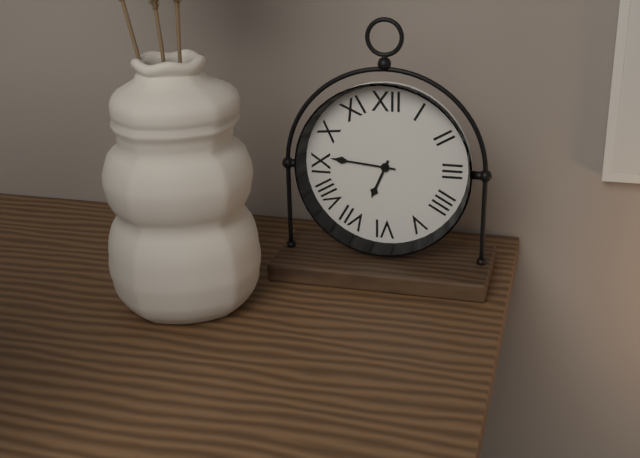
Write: 6:46
